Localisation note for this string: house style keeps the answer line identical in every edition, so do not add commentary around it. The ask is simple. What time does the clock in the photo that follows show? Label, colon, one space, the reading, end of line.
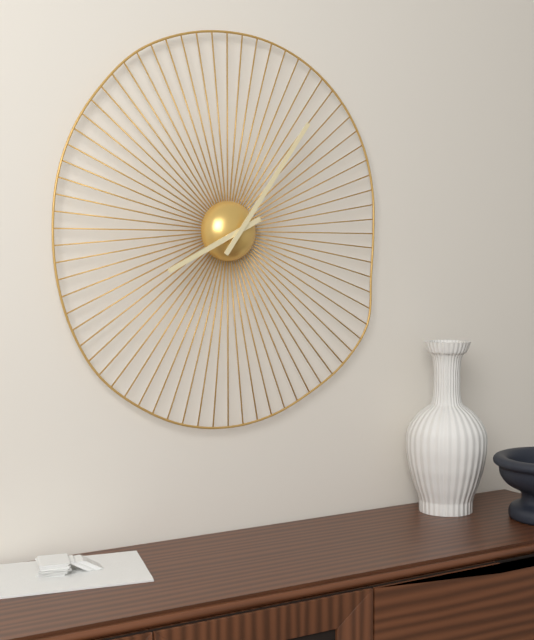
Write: 8:06
